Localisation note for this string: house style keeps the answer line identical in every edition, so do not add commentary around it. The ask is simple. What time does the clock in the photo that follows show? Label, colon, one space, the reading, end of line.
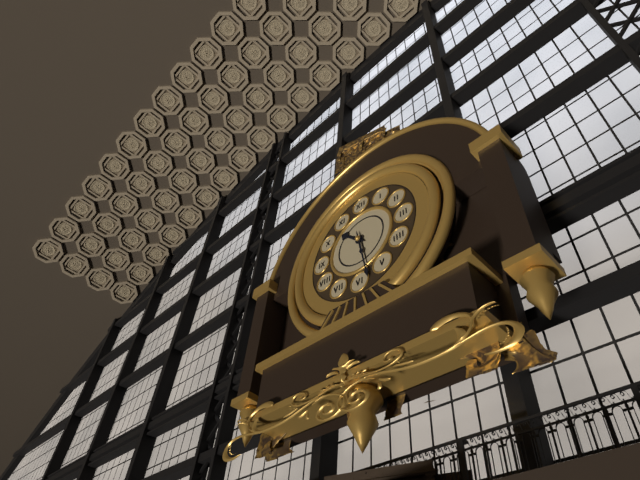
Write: 10:28
